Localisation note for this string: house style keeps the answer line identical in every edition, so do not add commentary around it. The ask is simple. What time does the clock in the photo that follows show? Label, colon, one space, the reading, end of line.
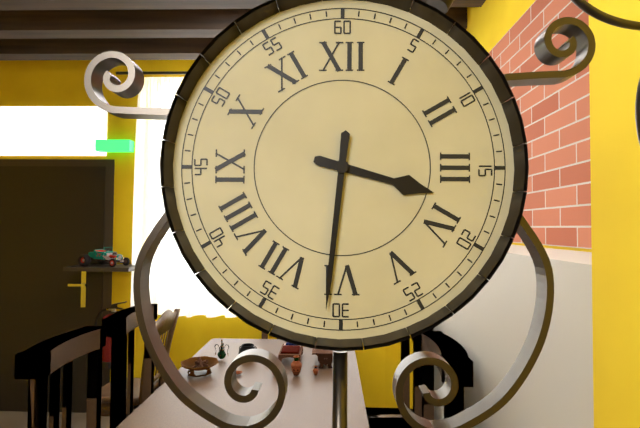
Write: 3:31
